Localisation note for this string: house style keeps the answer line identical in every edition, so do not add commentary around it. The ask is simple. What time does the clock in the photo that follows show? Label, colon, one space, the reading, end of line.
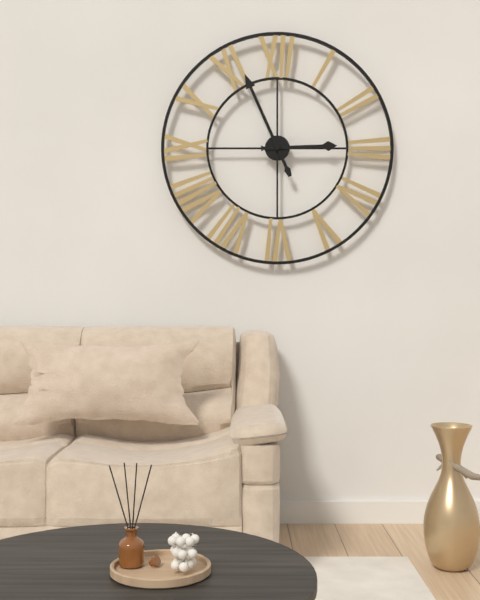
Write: 2:56
